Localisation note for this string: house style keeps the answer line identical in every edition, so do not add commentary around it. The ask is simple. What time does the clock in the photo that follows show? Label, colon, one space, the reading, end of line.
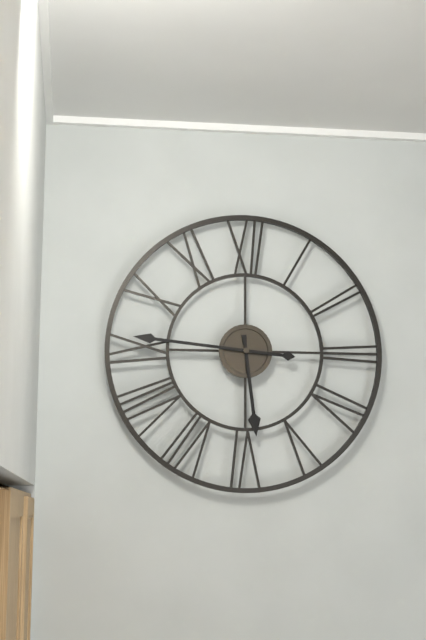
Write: 5:46
